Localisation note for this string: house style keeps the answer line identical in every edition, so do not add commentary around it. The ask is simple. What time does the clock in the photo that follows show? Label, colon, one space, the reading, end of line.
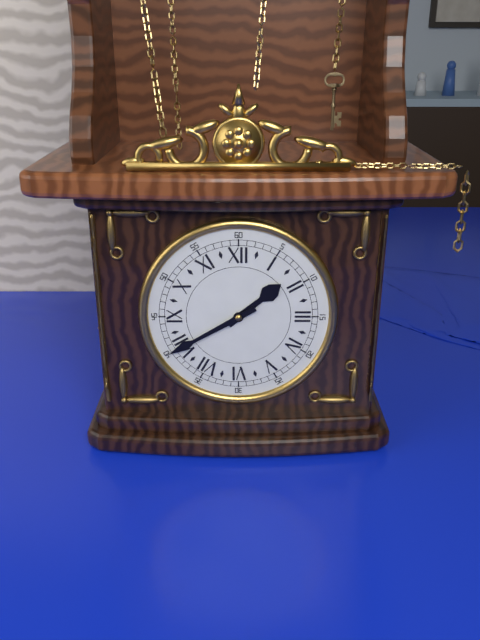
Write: 1:40
